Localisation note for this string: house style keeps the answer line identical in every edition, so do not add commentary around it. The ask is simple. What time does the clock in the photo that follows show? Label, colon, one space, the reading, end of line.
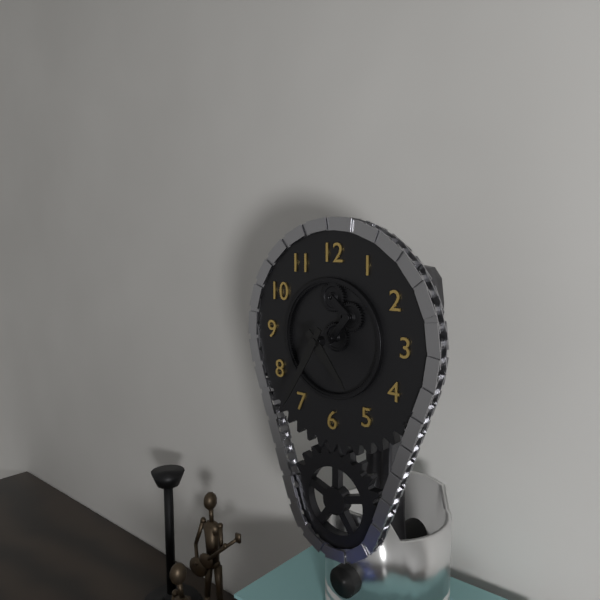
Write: 4:35
